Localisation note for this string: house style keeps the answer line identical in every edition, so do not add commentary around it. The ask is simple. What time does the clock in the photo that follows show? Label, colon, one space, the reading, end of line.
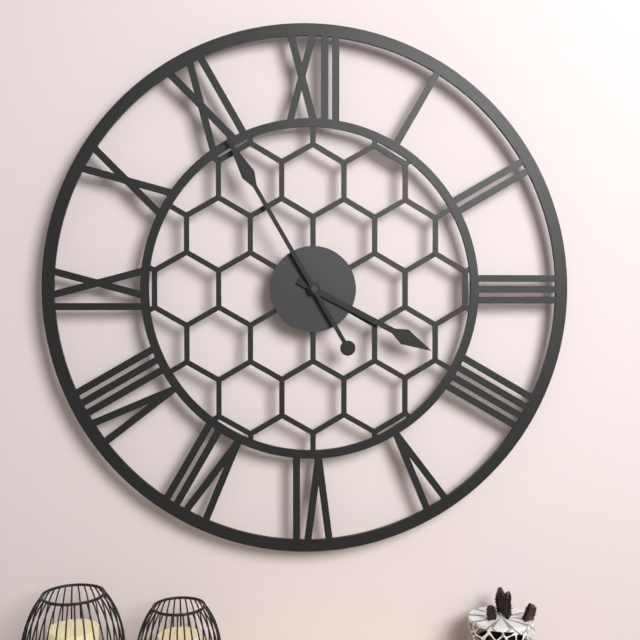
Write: 3:55
